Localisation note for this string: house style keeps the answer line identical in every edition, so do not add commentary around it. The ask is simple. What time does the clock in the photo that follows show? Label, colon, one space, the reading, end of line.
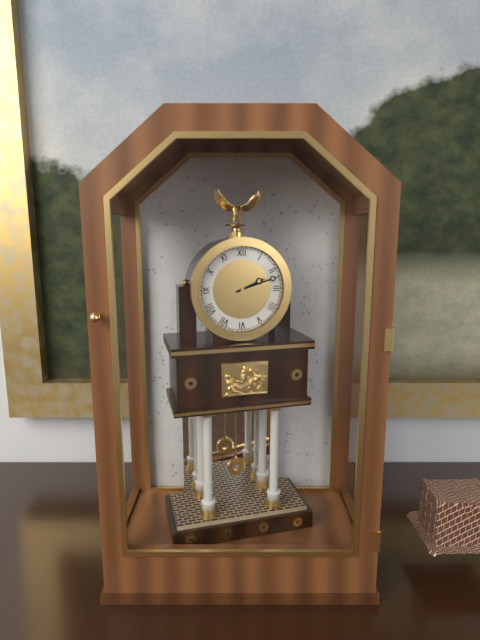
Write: 2:12
